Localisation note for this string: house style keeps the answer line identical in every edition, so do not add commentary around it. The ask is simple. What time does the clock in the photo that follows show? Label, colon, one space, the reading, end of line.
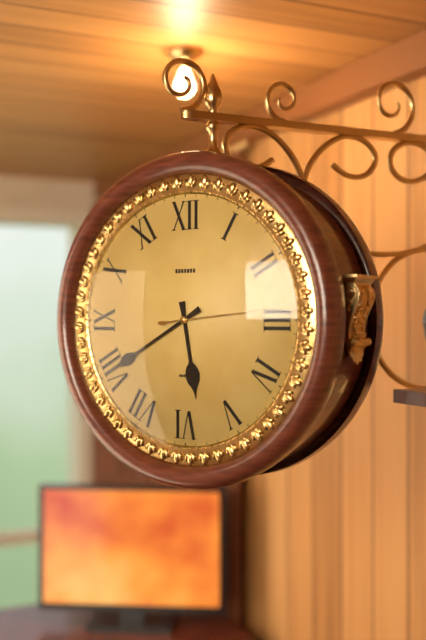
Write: 5:40:14
